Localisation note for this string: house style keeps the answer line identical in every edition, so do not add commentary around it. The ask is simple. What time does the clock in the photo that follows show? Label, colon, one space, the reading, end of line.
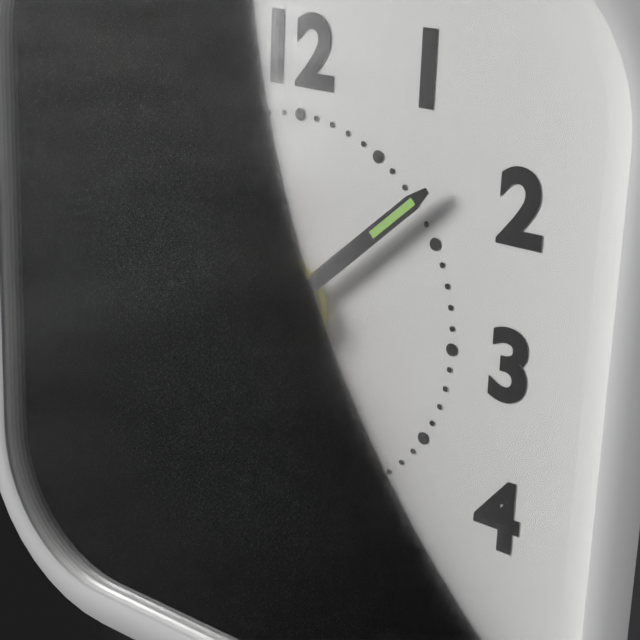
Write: 9:08:25
